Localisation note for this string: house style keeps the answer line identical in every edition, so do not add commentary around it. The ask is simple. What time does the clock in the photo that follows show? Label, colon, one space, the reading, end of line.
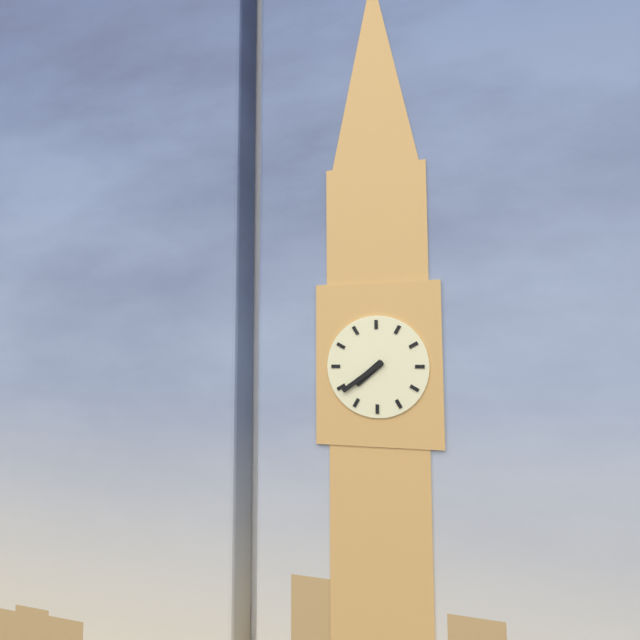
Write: 7:39
